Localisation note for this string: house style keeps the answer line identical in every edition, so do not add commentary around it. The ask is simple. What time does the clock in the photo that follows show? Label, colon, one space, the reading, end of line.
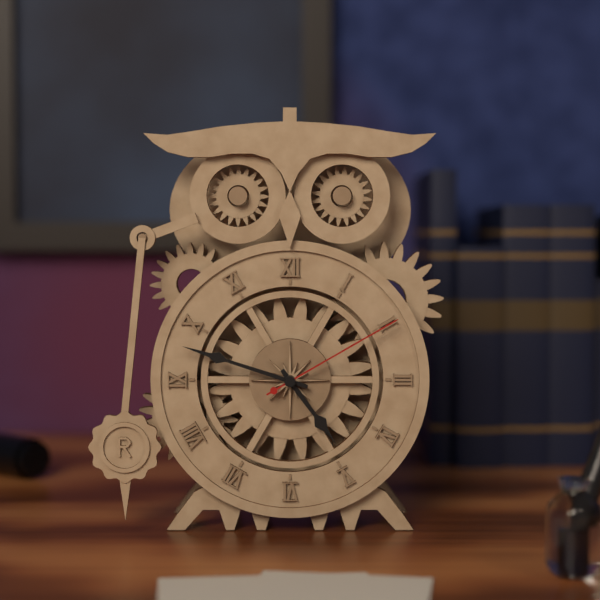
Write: 4:48:10
